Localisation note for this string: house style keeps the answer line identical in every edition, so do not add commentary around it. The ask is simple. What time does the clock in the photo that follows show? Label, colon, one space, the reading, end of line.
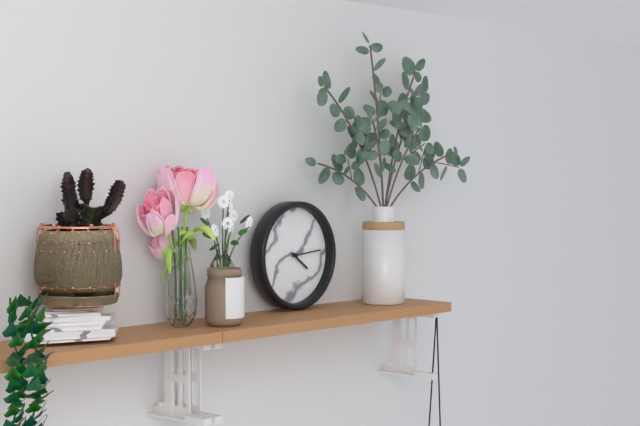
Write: 4:14
